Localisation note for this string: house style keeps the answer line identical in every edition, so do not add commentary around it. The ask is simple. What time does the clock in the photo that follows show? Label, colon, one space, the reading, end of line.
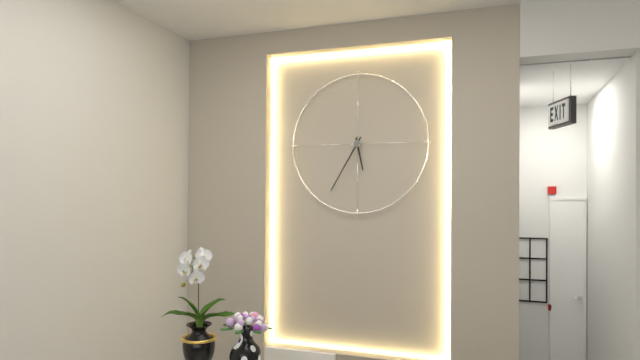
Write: 5:35
